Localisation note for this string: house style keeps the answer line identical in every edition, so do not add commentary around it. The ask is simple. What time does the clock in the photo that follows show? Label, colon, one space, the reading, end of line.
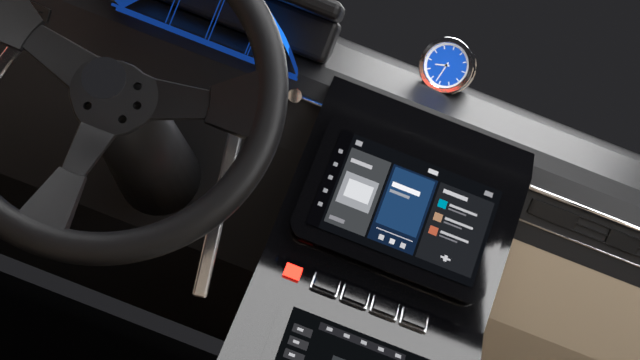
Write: 8:32
